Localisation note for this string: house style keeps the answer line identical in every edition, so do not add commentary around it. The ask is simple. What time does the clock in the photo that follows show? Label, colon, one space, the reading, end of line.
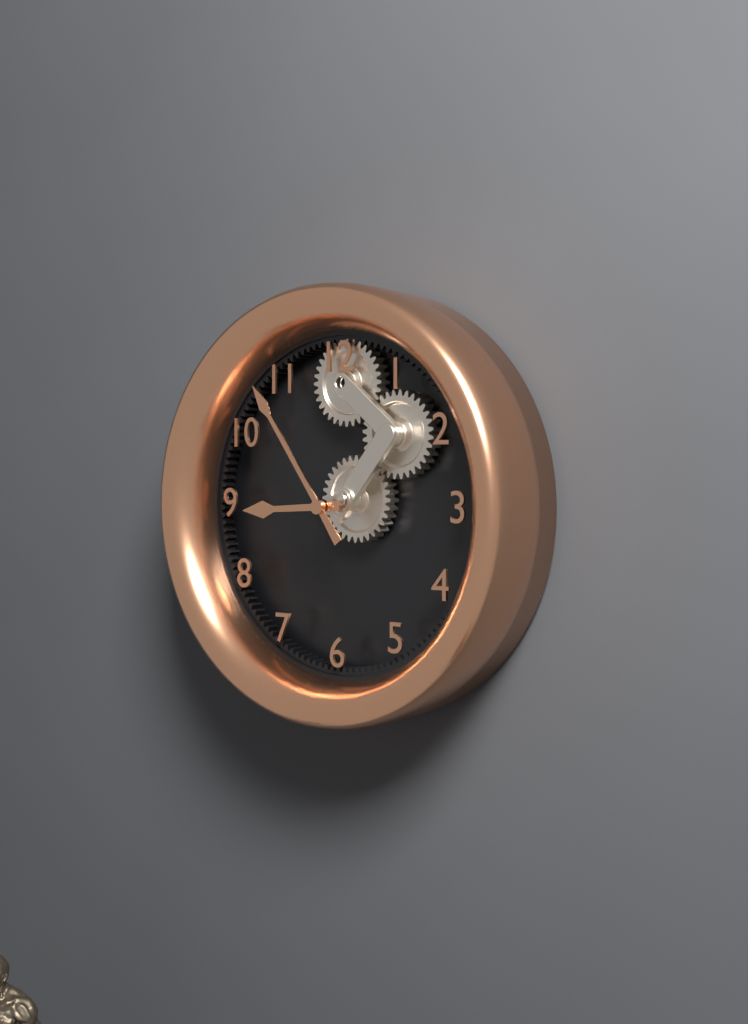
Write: 8:54
